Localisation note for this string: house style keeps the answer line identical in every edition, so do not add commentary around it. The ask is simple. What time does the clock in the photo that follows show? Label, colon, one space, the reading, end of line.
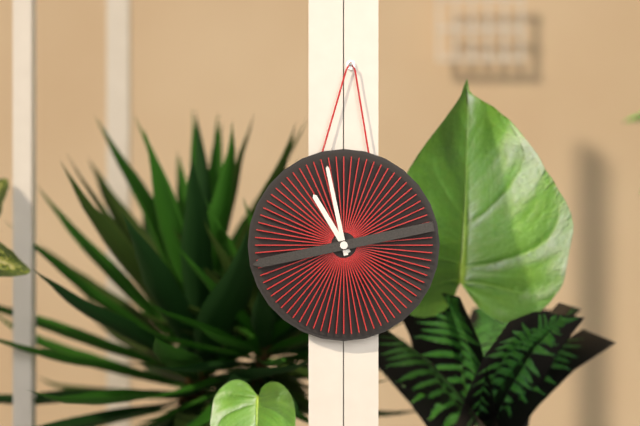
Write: 10:58:43
